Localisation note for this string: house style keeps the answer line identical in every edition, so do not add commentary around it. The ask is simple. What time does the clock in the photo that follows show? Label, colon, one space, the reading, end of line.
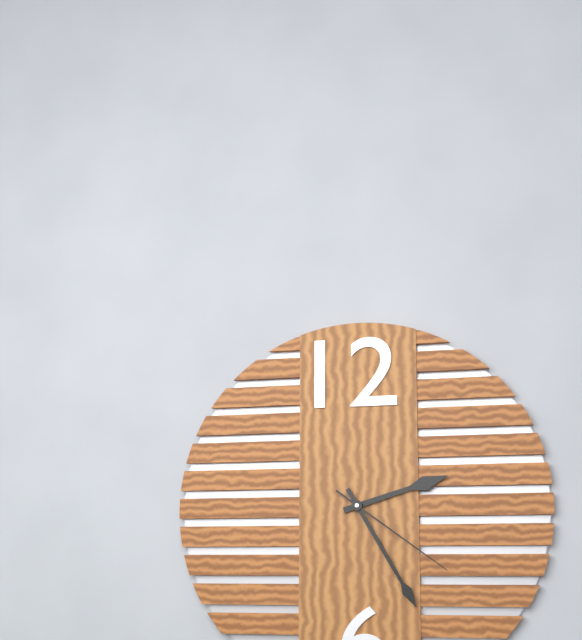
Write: 2:25:21
